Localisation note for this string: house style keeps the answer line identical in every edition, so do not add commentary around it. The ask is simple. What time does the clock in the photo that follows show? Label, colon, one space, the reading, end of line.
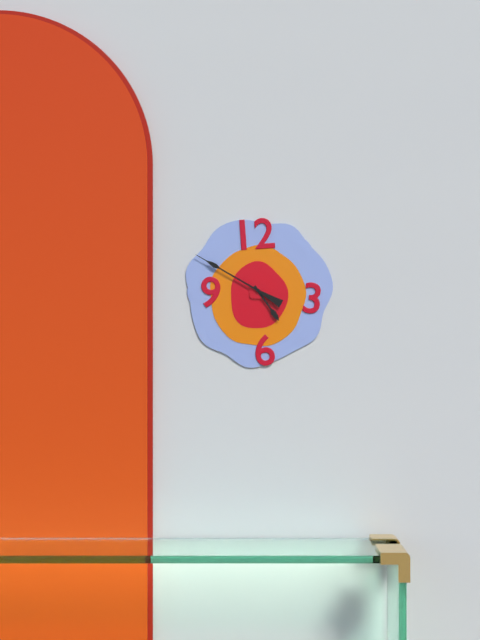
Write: 4:50
